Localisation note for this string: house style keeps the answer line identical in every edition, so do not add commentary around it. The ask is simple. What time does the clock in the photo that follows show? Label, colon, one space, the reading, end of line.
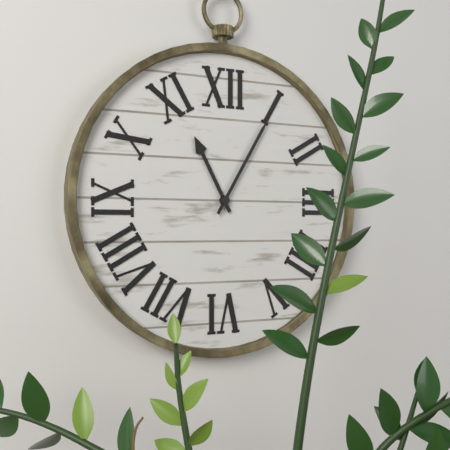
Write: 11:05
